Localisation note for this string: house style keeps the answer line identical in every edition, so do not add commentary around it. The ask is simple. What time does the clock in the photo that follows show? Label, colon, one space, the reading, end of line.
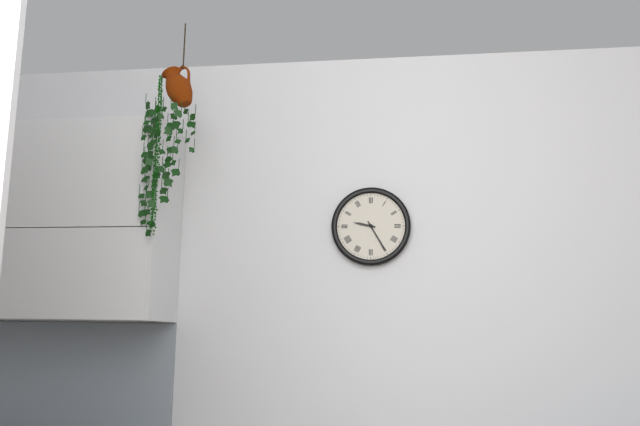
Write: 9:25
